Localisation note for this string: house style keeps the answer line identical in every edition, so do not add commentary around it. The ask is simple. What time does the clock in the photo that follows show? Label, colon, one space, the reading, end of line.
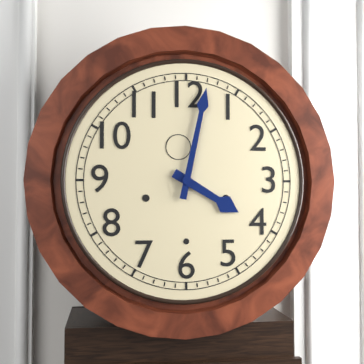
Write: 4:02
